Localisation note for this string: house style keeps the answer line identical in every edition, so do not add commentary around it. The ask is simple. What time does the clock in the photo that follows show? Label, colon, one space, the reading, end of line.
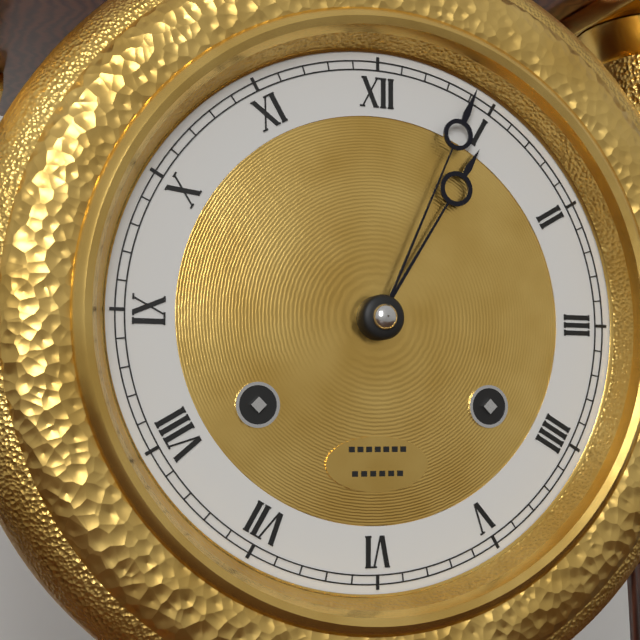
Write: 1:04
